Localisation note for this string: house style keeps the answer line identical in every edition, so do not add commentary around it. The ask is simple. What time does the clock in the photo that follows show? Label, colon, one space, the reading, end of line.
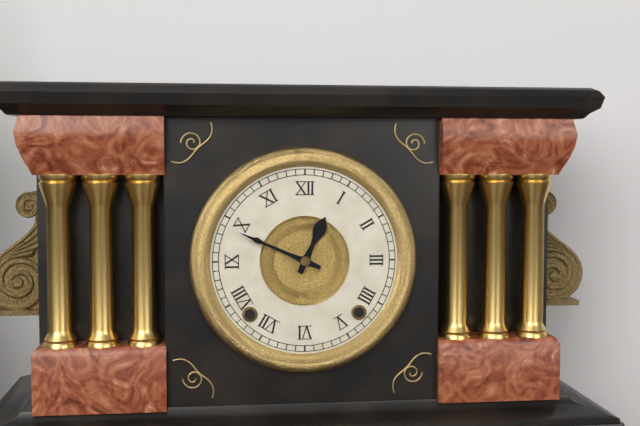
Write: 12:49
